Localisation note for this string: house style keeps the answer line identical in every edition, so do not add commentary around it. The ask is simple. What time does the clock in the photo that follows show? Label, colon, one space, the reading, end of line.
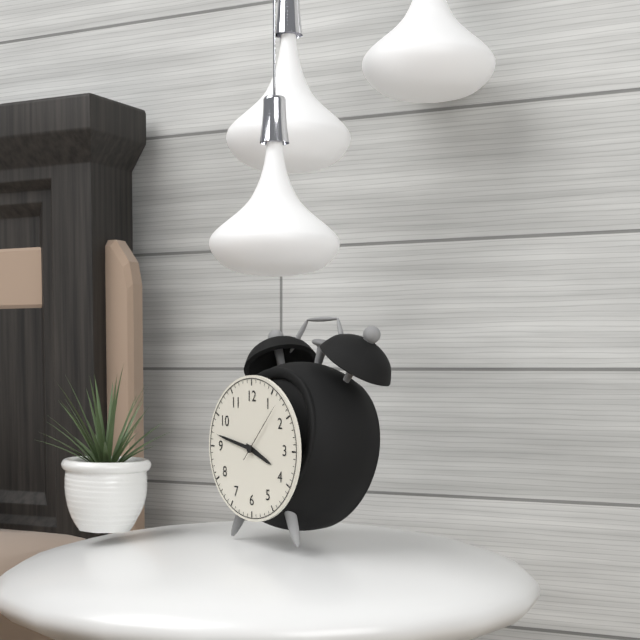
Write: 3:47:07
